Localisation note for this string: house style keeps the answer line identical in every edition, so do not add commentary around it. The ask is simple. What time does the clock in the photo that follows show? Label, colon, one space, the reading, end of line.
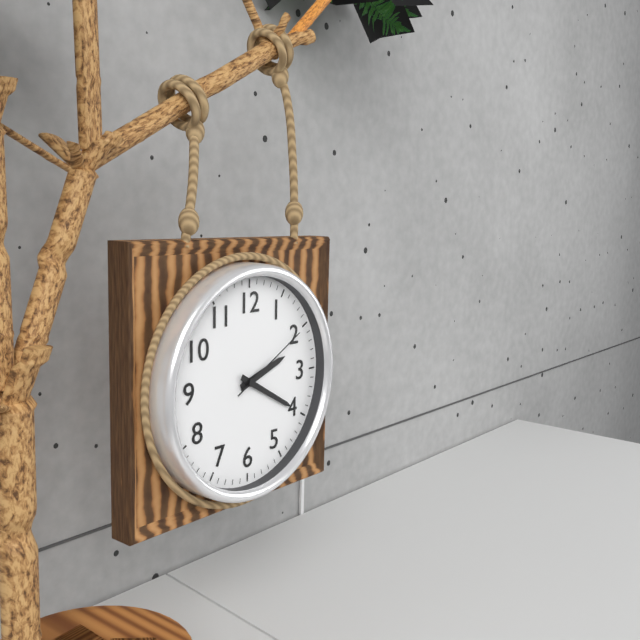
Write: 2:20:10
